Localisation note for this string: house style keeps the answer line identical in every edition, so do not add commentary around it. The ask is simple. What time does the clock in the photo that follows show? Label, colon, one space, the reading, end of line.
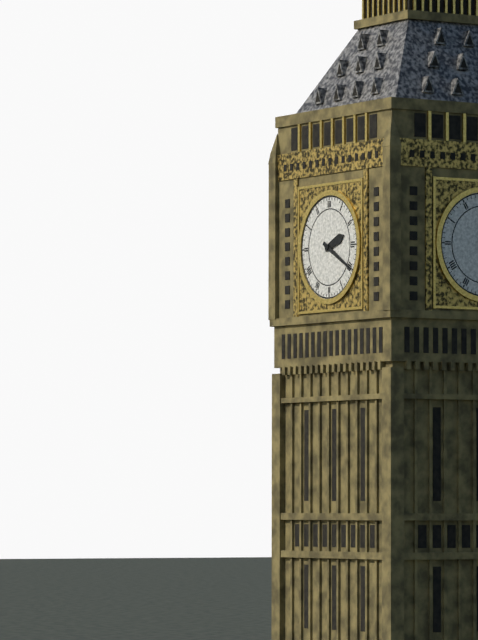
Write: 2:20
